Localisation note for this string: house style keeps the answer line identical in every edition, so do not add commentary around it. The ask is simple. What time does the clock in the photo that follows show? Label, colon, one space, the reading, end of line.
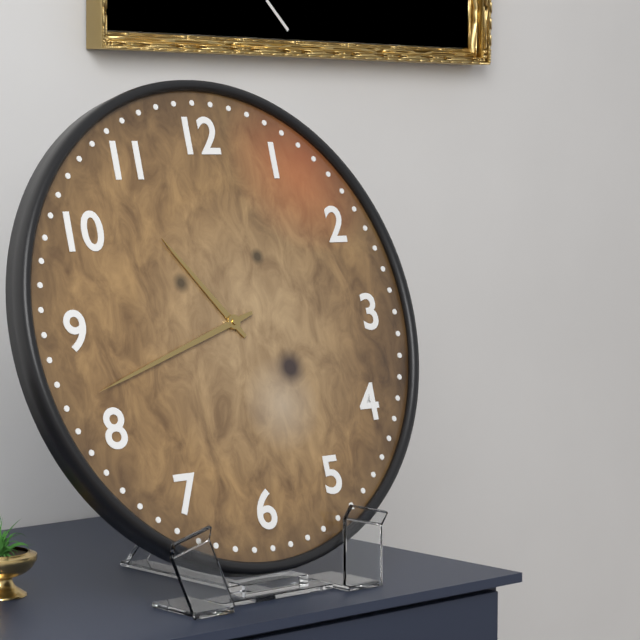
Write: 10:42
